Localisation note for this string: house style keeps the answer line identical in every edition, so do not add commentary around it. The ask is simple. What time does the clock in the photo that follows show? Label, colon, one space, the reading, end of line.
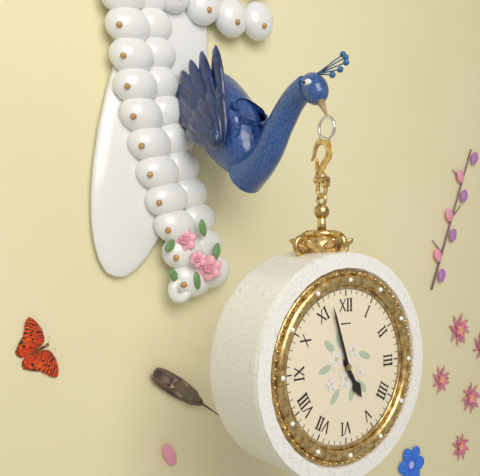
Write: 4:57
